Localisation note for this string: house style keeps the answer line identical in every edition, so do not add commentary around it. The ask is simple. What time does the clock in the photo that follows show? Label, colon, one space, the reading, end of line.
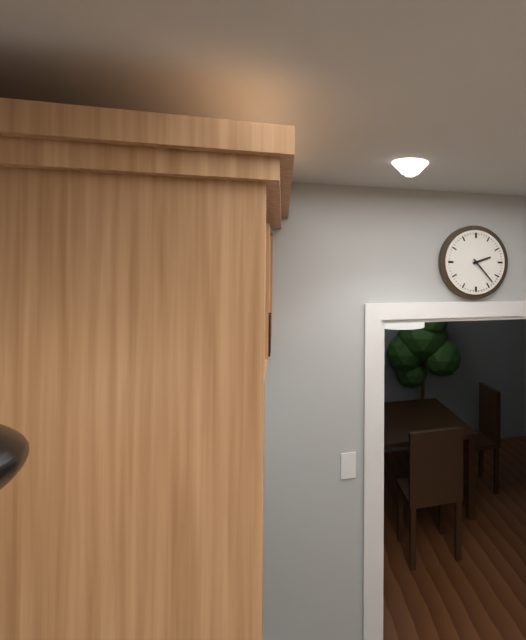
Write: 2:23
